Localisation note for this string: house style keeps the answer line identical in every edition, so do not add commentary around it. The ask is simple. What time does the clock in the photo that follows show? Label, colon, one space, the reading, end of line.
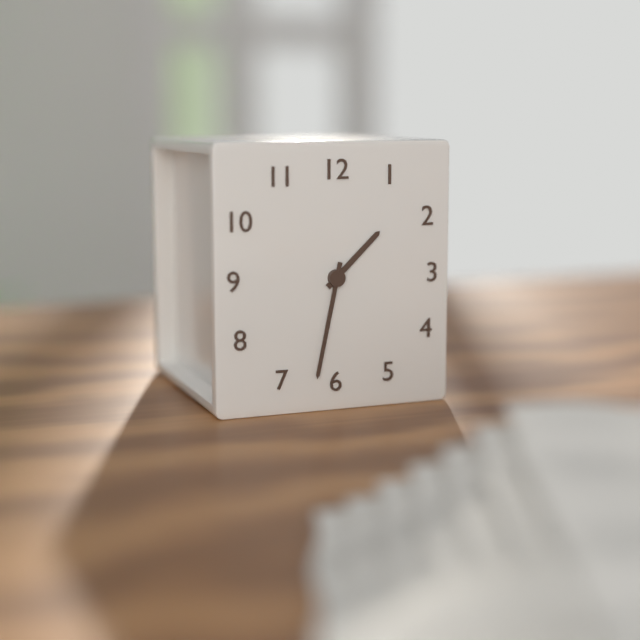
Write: 1:32
